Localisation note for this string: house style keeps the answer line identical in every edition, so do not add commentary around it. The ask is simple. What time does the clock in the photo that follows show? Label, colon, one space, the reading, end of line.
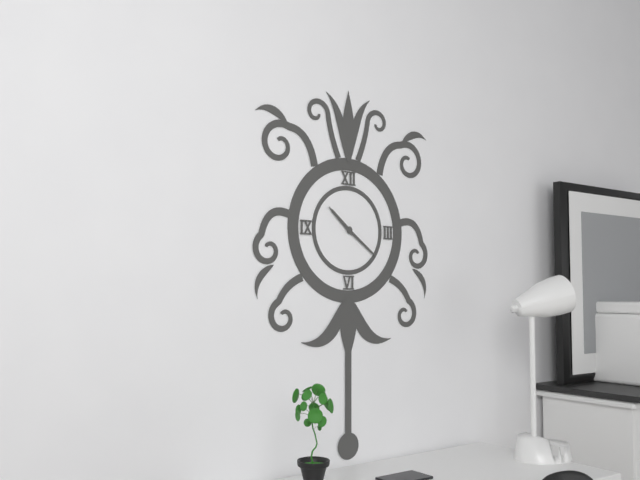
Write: 10:21
